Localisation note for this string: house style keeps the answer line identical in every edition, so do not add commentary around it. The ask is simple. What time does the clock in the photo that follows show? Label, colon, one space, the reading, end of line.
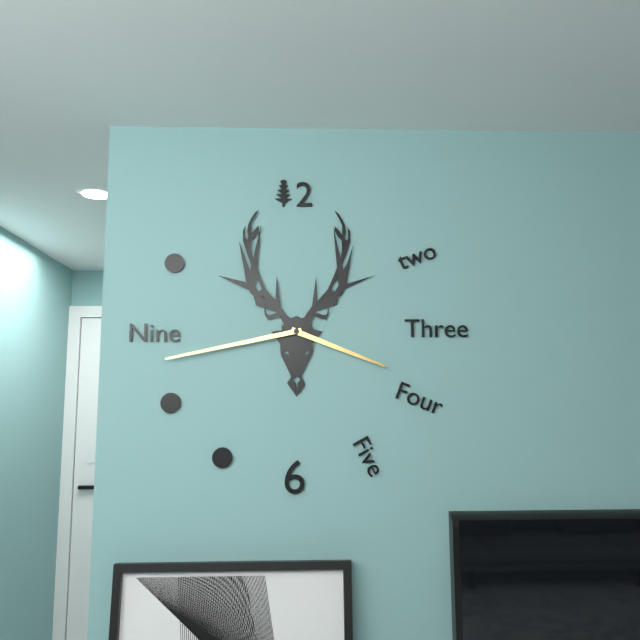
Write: 3:43
